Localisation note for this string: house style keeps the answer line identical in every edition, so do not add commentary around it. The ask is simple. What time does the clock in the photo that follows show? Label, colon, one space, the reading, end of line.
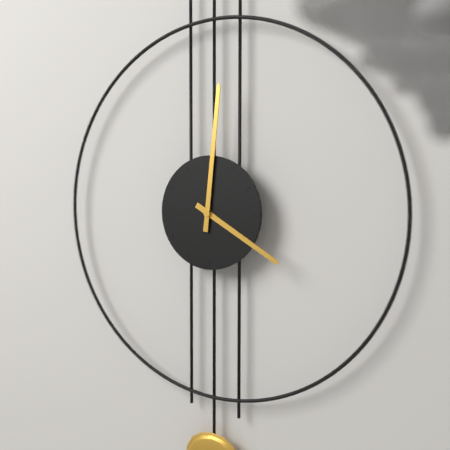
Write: 4:01
